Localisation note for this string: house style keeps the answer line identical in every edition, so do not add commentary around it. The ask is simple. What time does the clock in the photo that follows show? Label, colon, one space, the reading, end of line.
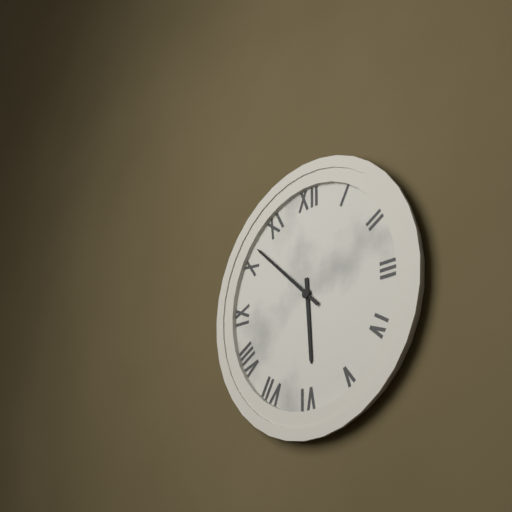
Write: 5:52
